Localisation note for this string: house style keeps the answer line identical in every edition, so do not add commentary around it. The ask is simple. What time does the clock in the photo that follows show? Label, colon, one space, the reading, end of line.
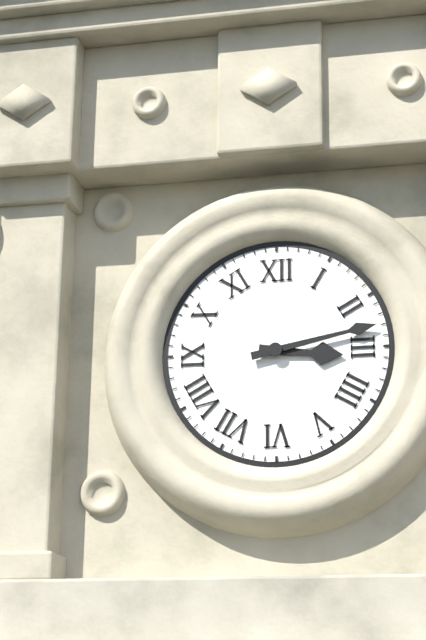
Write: 3:13
